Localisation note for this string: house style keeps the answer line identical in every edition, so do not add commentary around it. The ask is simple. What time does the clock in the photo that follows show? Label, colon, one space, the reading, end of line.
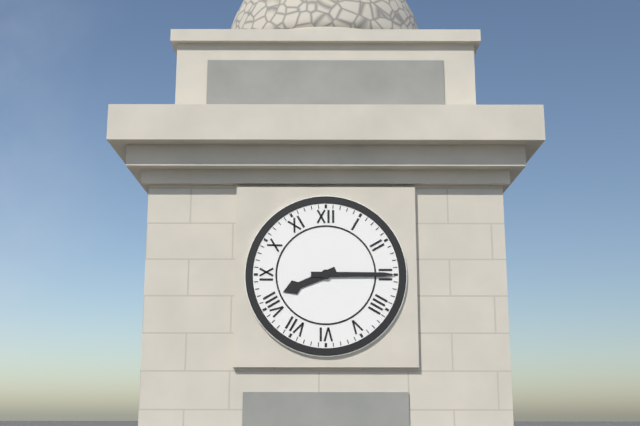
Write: 8:15
